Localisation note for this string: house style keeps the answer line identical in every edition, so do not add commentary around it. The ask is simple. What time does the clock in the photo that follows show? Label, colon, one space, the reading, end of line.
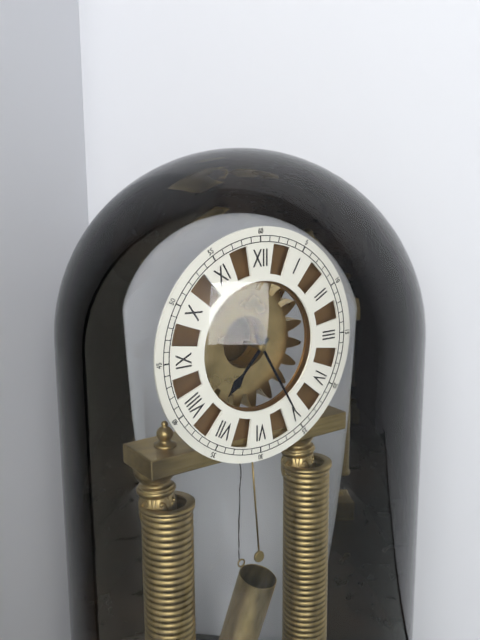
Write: 7:25
